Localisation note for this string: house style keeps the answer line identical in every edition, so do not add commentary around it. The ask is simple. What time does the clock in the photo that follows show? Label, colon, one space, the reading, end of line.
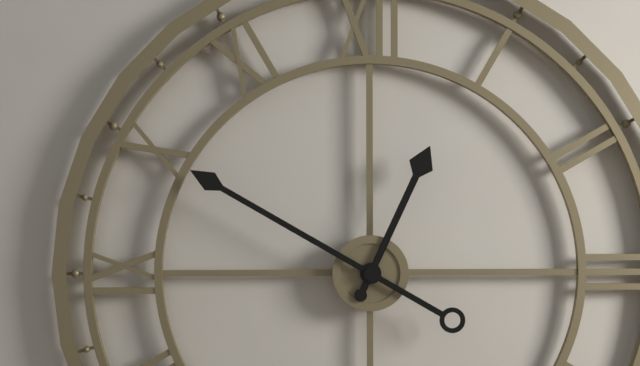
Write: 12:50
